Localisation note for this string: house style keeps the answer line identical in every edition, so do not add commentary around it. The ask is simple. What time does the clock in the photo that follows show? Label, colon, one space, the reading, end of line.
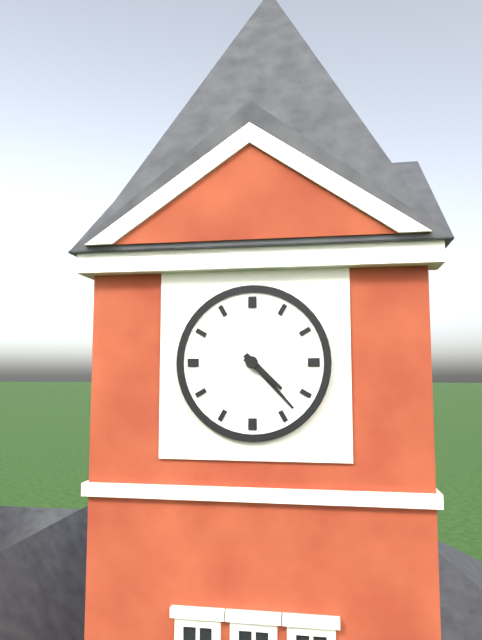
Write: 4:23
